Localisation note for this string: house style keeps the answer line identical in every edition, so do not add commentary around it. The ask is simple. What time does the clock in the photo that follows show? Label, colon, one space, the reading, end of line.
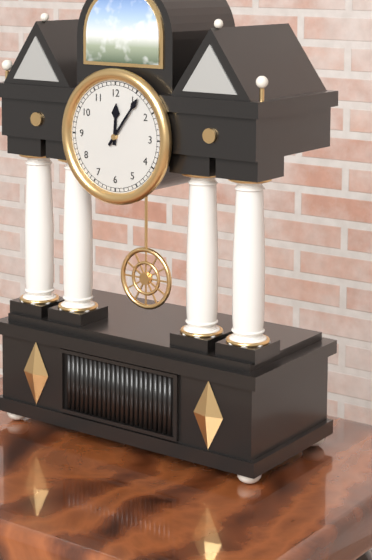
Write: 12:06
